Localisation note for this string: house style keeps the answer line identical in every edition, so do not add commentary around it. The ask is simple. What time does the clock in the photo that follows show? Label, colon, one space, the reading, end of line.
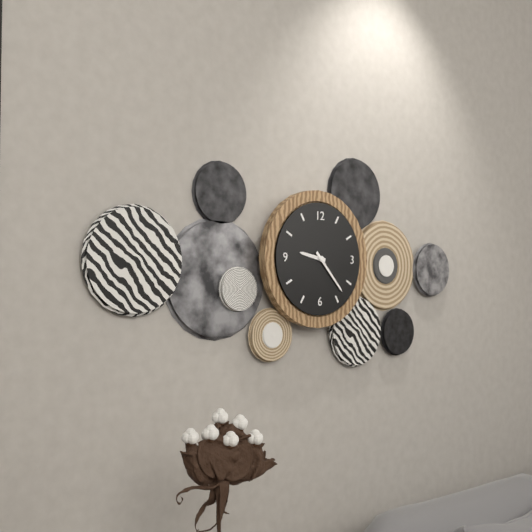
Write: 9:23
